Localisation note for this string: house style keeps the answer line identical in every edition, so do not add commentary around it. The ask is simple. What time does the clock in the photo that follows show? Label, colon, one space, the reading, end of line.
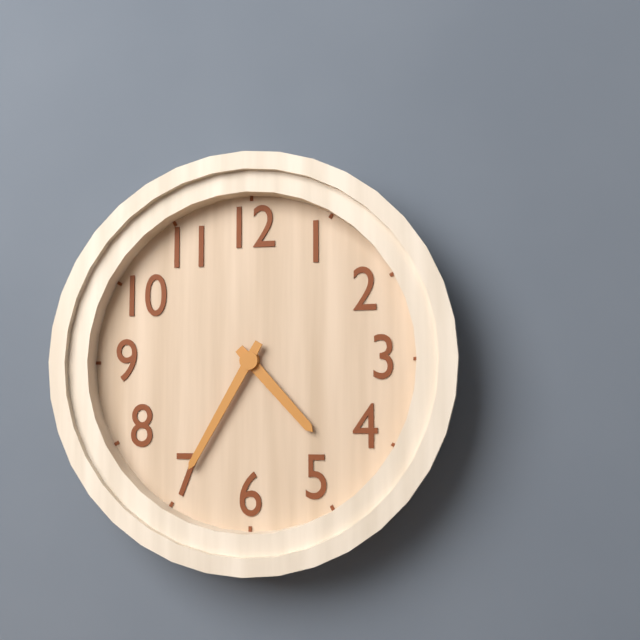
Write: 4:35
